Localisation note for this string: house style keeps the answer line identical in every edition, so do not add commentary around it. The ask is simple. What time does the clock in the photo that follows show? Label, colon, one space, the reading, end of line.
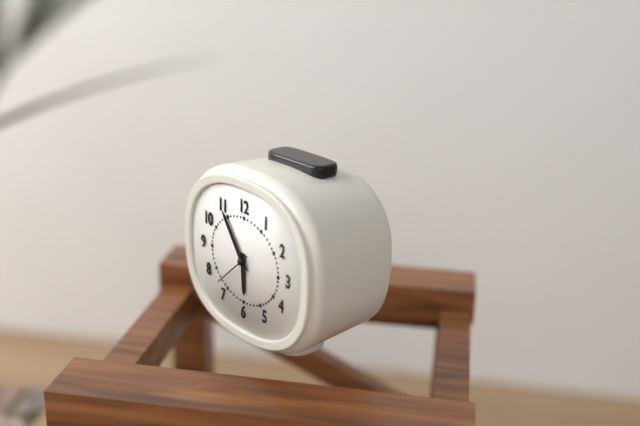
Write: 5:54
